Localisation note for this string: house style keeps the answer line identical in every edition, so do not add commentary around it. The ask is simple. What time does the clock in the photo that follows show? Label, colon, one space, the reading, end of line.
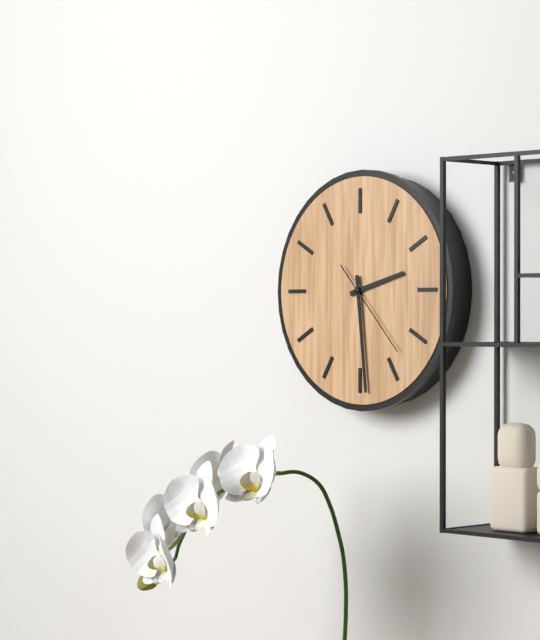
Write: 2:29:23
